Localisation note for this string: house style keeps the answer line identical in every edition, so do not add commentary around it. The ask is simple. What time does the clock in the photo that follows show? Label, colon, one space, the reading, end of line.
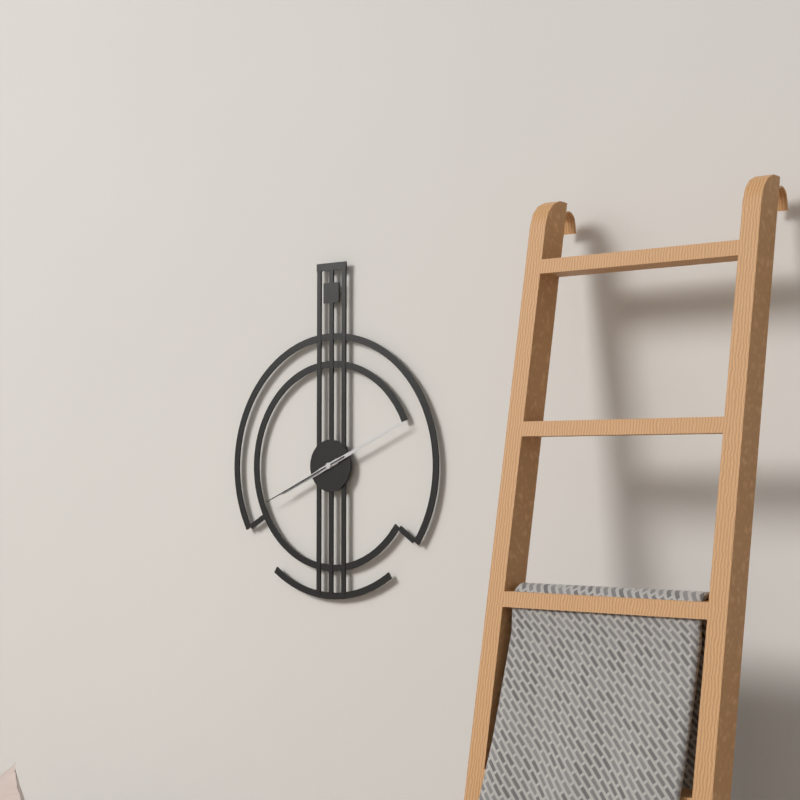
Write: 8:11:41
